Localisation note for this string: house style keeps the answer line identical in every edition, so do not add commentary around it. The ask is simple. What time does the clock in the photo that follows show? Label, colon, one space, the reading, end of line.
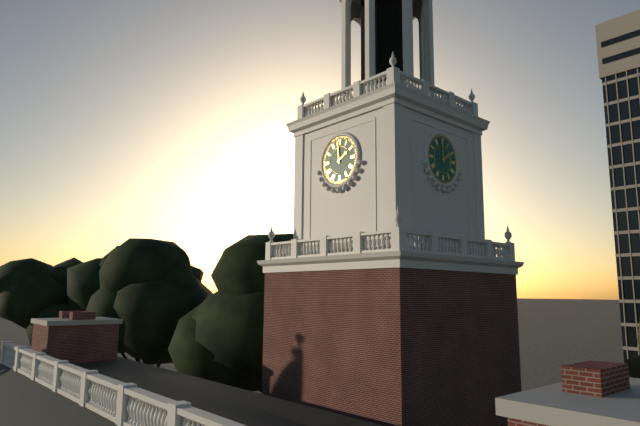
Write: 1:59
